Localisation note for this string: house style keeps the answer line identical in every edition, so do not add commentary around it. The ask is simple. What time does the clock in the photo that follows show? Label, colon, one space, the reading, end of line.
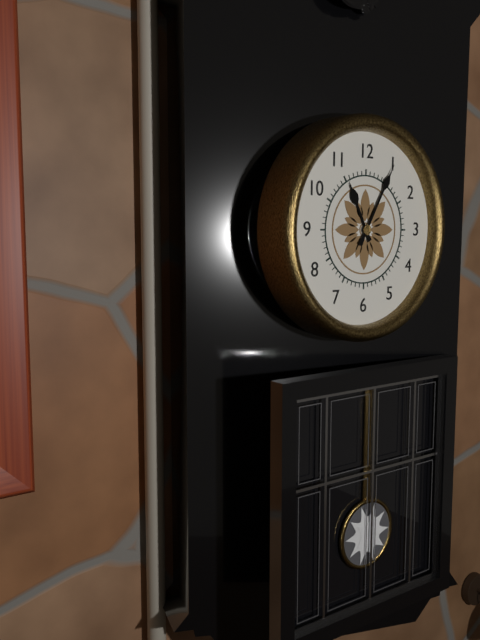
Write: 11:05
